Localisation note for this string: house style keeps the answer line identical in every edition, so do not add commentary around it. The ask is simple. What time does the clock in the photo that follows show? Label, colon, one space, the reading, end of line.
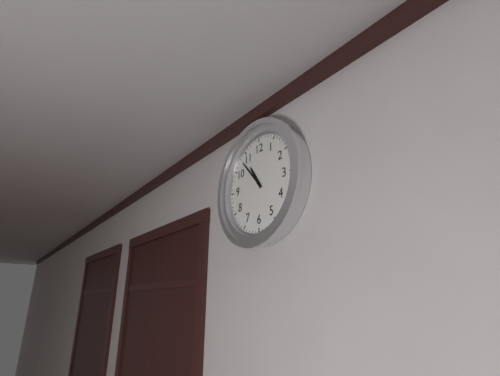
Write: 10:53
